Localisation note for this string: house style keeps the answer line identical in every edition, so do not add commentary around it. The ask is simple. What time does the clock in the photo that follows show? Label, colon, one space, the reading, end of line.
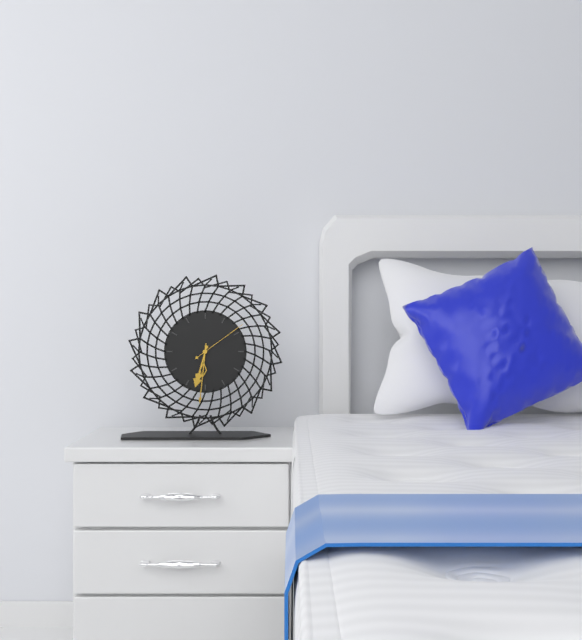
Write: 6:31:09
